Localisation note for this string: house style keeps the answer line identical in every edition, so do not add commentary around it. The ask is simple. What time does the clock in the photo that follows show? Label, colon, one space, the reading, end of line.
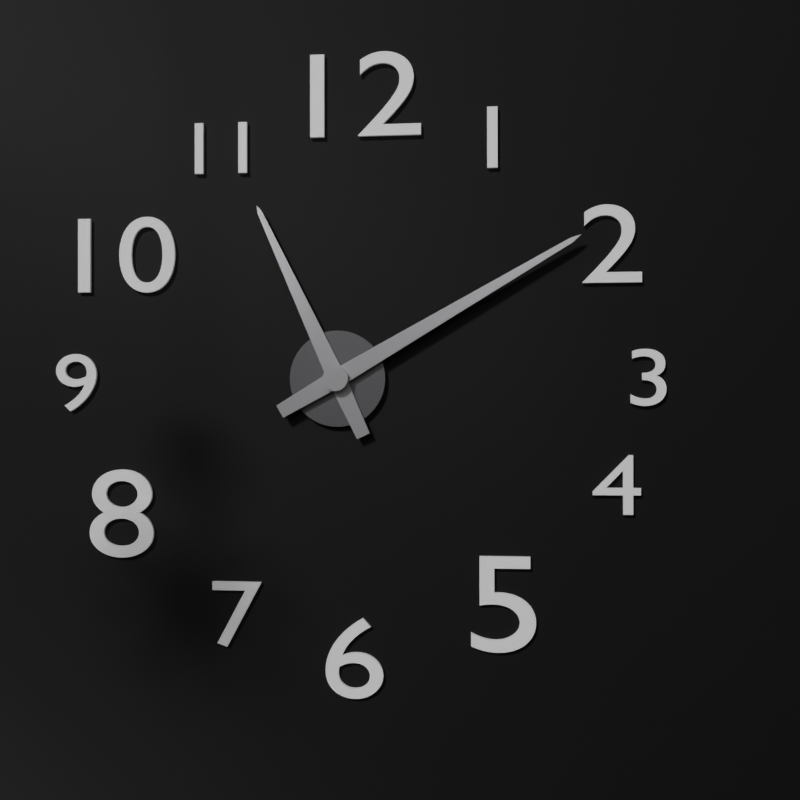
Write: 11:10
